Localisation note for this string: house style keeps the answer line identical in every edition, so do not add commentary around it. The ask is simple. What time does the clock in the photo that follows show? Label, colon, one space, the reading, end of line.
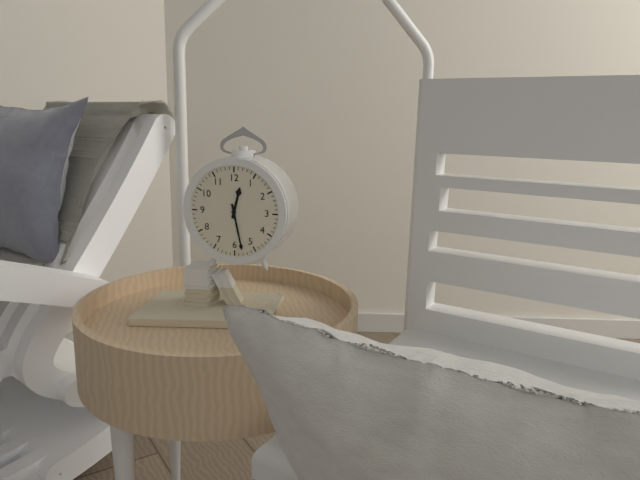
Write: 12:28
